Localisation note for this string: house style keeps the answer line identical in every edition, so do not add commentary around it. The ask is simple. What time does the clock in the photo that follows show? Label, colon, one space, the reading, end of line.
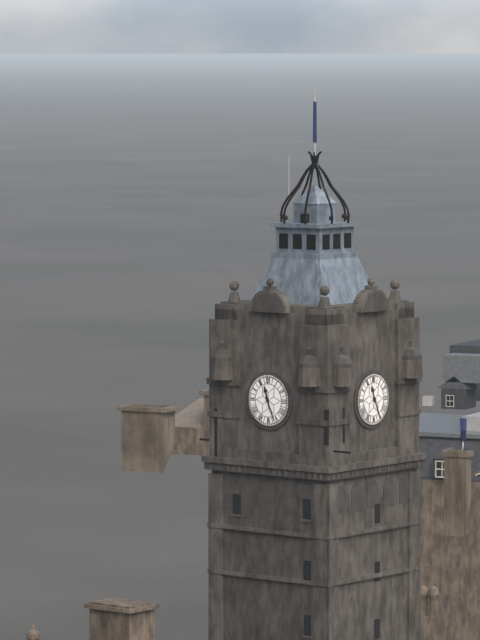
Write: 11:26
